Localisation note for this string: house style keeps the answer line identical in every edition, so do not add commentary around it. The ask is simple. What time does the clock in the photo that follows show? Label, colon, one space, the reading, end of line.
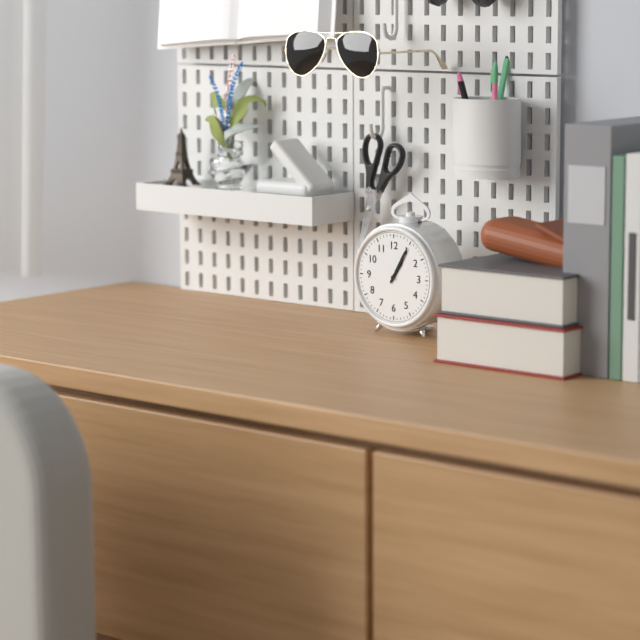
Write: 1:05
